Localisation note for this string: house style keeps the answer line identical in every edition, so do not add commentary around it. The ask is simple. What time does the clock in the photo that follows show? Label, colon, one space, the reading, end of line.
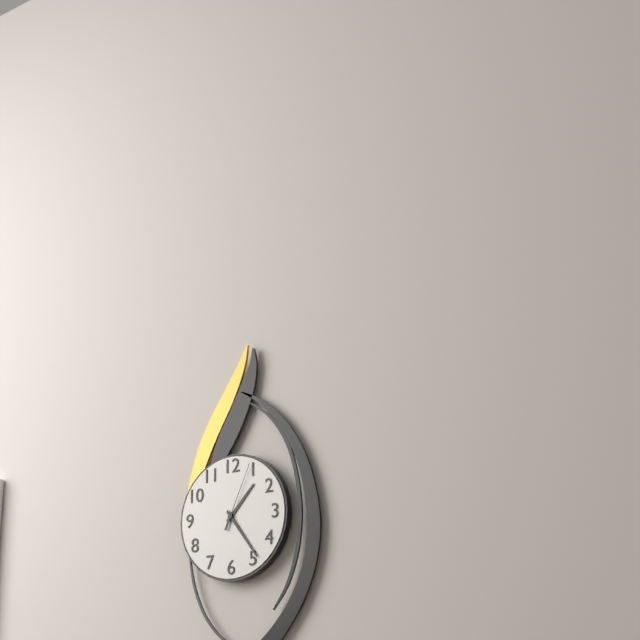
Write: 1:24:04
